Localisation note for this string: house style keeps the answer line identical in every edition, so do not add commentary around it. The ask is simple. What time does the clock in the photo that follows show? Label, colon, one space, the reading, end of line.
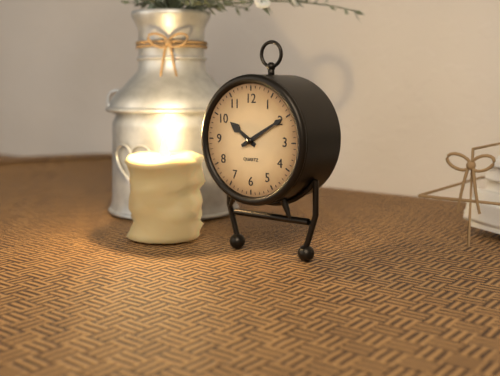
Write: 10:10
